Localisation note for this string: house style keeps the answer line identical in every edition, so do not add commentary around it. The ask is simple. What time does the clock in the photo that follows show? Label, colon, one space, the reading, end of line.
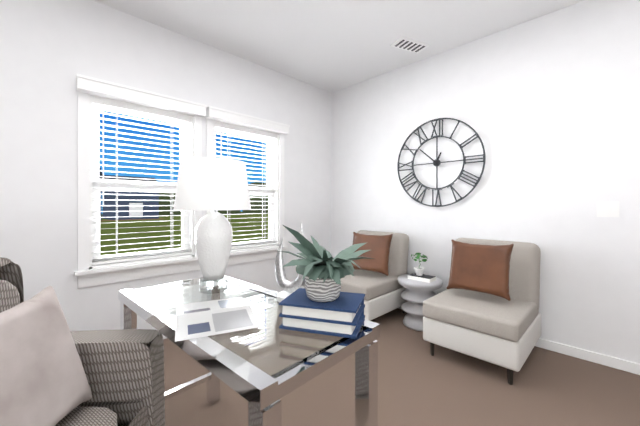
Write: 12:52
